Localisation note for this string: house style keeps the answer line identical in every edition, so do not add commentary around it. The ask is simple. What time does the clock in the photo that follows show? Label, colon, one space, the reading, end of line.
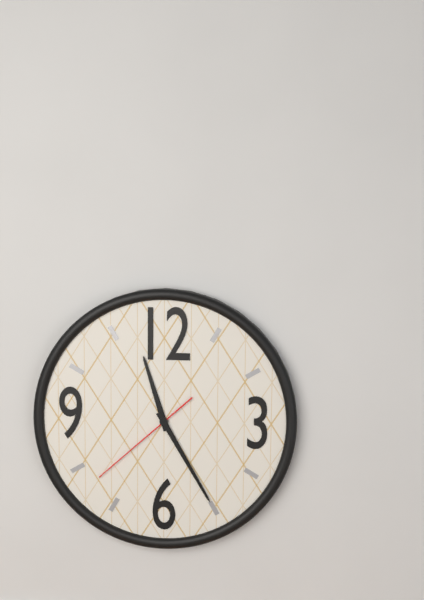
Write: 11:25:38
